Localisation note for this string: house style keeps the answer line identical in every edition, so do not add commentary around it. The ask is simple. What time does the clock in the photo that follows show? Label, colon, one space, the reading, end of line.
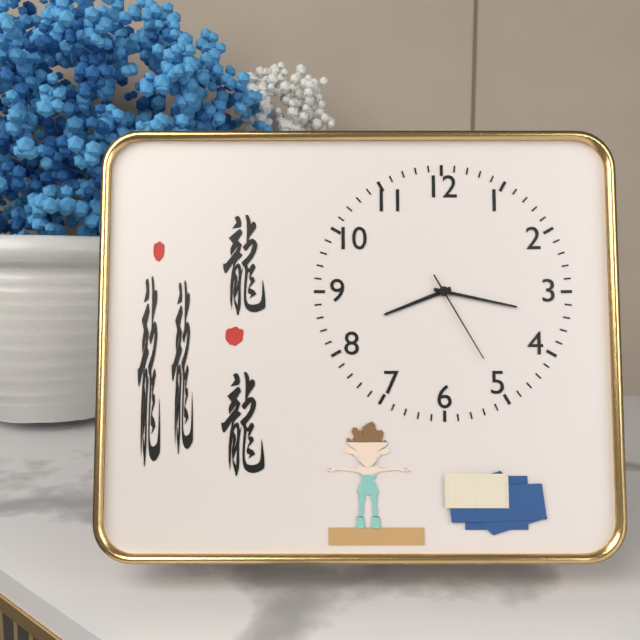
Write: 8:17:25
